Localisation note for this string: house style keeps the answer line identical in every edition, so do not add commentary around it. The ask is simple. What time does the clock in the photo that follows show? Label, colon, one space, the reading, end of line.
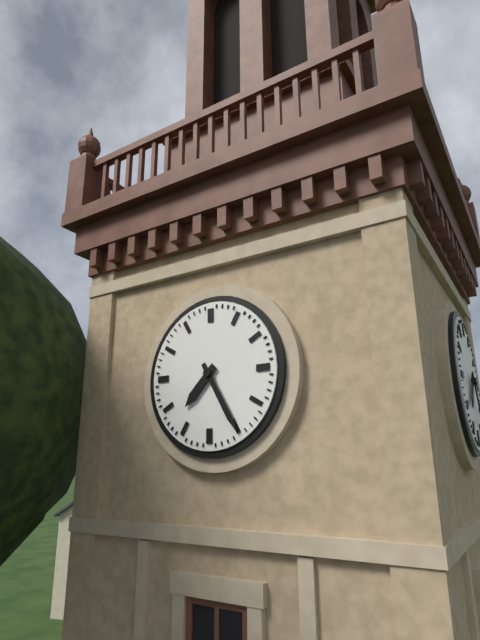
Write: 7:25
